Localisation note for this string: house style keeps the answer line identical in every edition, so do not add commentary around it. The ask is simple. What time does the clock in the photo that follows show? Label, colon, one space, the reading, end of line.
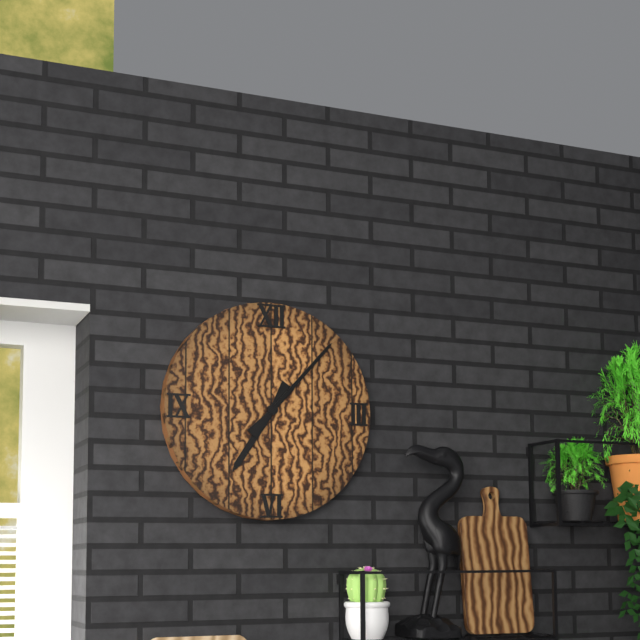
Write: 7:07
